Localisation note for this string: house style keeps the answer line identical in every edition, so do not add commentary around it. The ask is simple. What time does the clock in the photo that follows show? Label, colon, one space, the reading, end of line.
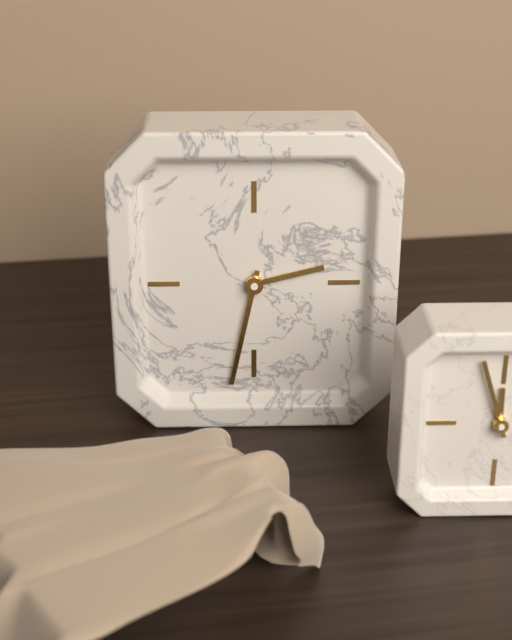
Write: 2:32
